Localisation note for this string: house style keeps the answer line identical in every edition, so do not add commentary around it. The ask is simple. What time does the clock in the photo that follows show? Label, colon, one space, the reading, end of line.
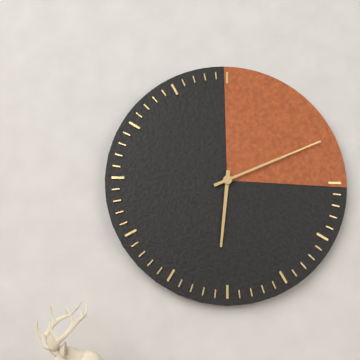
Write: 6:11
